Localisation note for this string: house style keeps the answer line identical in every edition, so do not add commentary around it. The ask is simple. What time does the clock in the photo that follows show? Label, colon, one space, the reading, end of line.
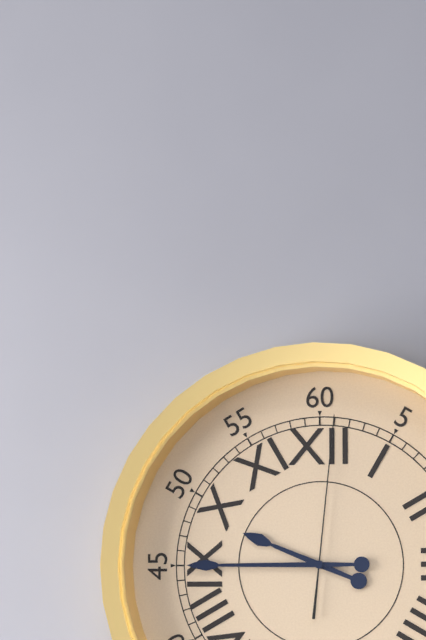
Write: 9:45:01
